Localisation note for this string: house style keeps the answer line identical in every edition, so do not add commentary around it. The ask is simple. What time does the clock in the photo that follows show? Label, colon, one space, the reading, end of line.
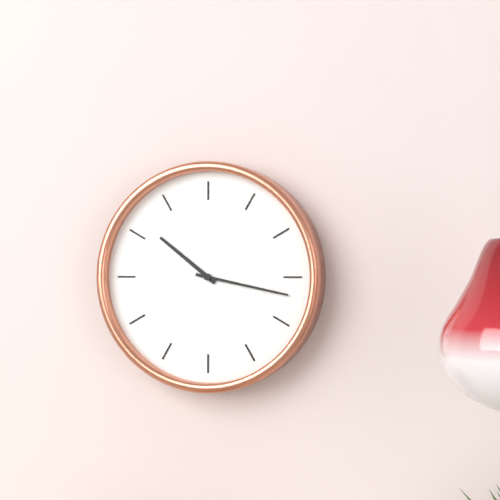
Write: 10:17
